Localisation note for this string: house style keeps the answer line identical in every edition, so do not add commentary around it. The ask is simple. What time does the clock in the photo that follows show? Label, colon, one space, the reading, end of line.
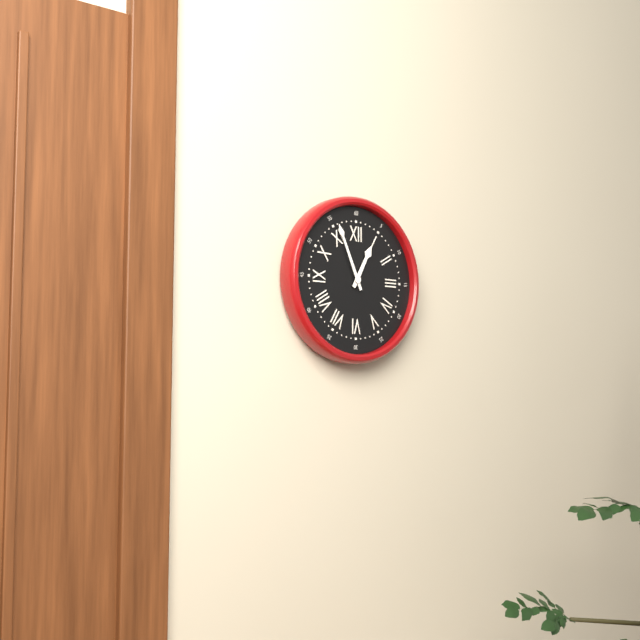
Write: 12:56
